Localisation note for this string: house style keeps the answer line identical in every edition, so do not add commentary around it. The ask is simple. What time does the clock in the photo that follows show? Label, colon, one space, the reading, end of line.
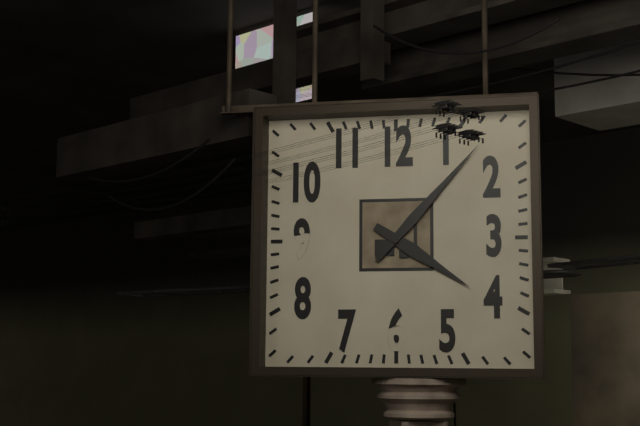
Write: 4:07
